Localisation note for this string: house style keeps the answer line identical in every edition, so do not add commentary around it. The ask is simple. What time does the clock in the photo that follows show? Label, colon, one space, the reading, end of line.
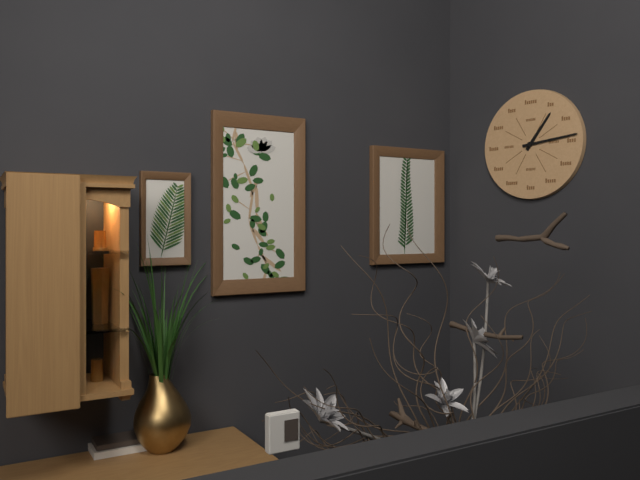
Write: 1:14
